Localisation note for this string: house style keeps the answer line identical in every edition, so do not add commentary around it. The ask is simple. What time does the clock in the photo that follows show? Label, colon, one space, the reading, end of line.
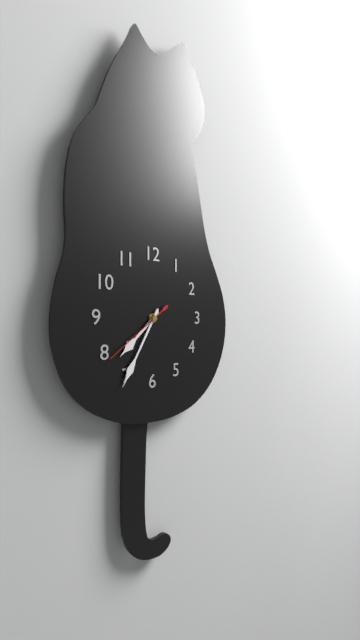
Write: 7:35:39
